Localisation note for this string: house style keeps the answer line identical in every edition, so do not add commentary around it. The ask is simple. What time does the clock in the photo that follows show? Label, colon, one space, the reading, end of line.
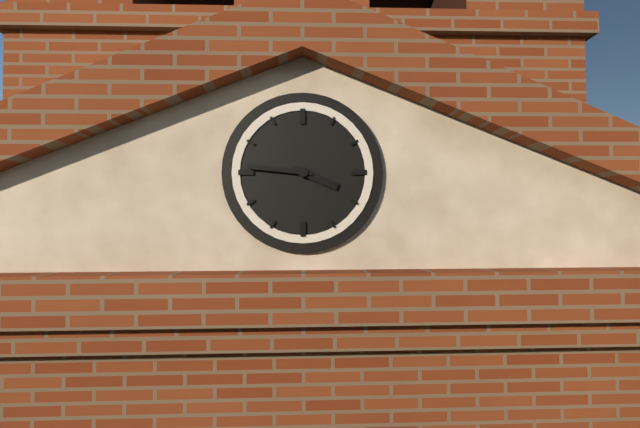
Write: 3:46
